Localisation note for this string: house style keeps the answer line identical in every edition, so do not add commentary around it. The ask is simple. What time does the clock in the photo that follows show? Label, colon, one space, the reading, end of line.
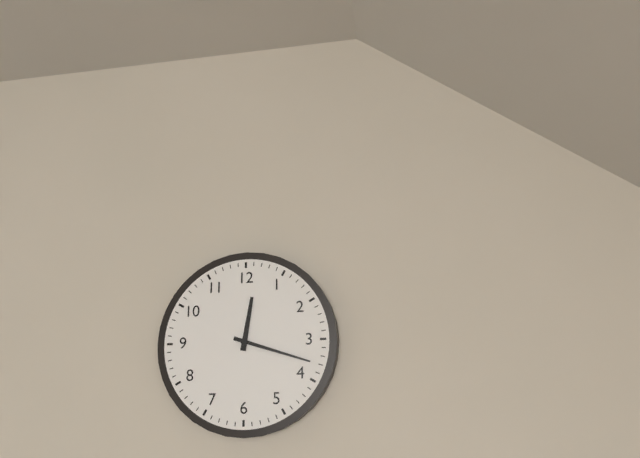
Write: 12:18
